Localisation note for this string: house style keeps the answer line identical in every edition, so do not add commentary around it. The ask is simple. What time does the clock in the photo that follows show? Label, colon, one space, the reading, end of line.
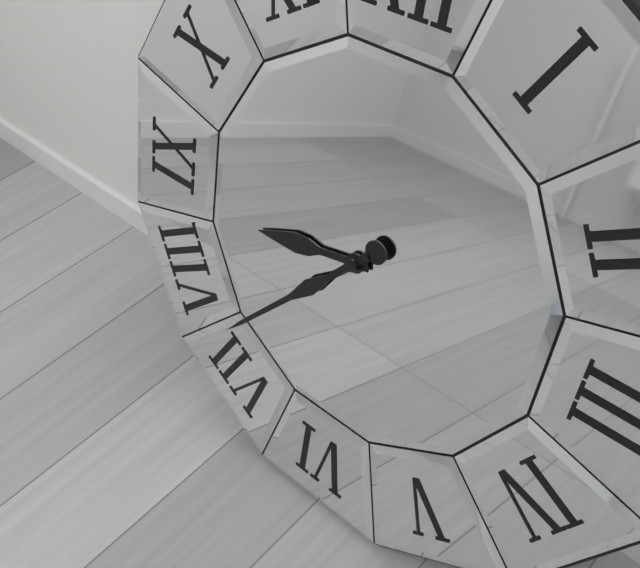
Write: 8:37
